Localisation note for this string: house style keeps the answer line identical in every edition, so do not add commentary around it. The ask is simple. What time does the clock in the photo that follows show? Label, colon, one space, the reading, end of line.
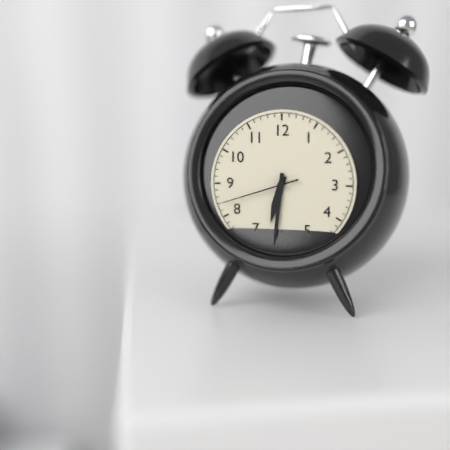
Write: 6:31:42
